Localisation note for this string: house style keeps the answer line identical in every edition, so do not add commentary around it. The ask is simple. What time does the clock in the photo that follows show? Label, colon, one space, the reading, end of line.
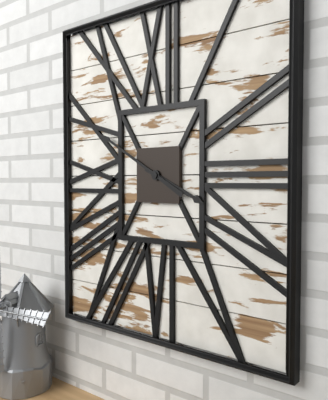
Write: 3:50
